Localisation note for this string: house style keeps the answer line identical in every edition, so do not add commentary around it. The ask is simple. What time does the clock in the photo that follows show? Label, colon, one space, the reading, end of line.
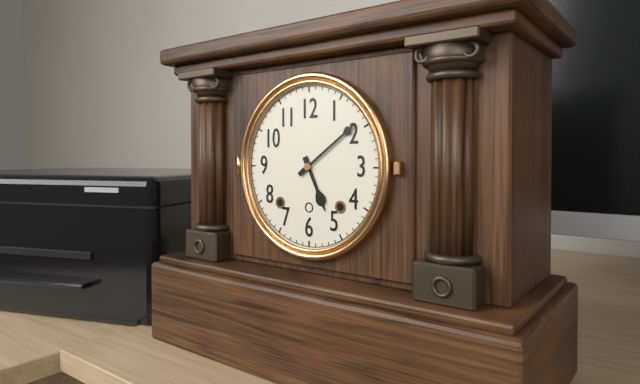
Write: 5:09
